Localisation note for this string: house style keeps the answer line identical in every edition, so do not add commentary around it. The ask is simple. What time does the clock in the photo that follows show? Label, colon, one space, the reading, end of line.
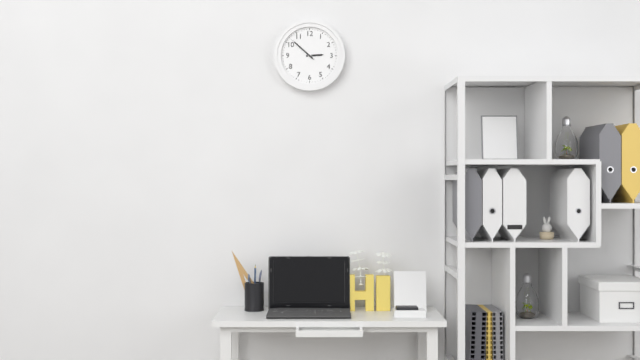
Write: 2:52
